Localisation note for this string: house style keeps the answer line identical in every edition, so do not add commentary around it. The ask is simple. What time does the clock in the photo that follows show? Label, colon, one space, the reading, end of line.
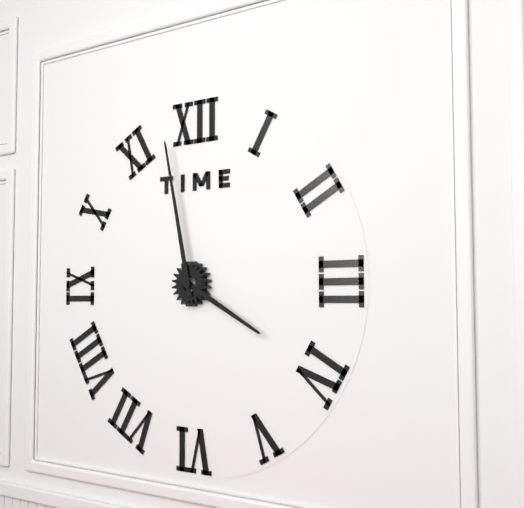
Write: 3:58
